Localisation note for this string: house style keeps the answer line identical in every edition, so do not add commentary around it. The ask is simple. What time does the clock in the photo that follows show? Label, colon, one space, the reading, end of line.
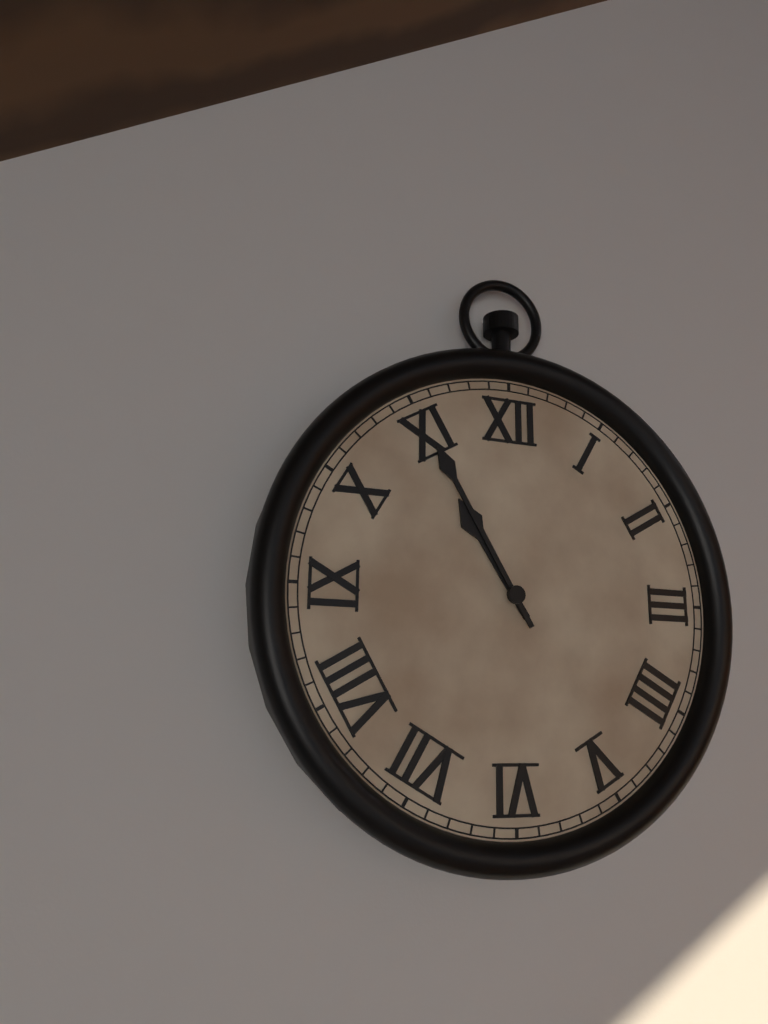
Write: 10:55
